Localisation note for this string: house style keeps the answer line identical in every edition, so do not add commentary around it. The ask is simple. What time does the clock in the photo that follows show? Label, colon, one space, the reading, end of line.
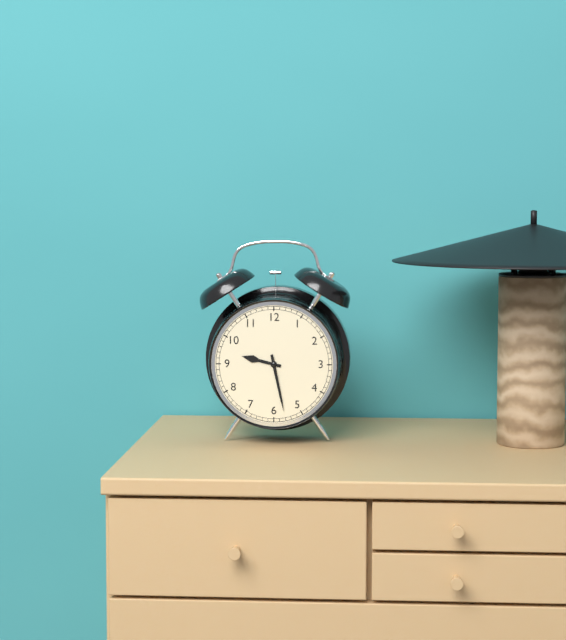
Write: 9:28
